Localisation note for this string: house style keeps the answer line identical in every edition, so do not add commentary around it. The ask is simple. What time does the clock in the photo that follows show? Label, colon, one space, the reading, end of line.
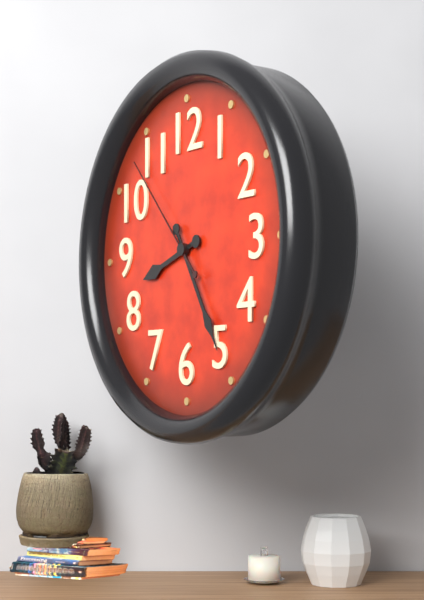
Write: 8:25:53
